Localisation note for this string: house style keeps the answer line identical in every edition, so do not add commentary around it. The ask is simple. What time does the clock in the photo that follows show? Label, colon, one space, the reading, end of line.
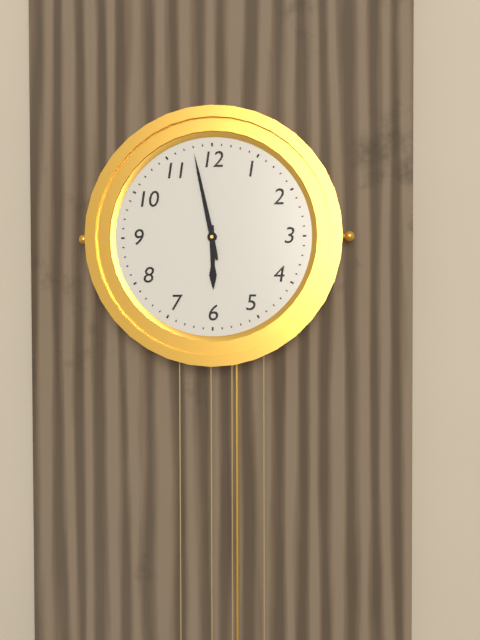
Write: 5:58
